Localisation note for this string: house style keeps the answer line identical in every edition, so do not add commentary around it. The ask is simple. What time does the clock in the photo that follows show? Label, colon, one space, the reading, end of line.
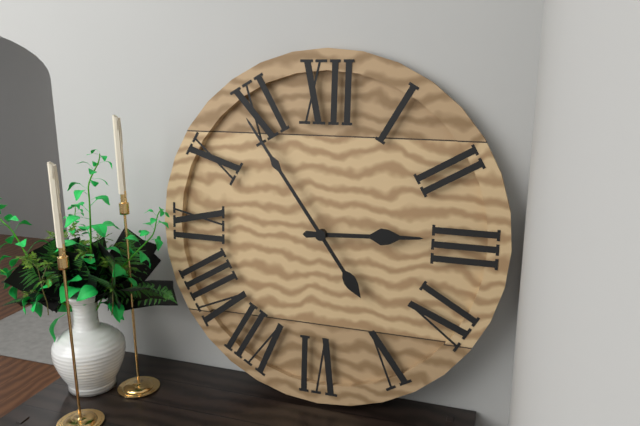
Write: 2:54
